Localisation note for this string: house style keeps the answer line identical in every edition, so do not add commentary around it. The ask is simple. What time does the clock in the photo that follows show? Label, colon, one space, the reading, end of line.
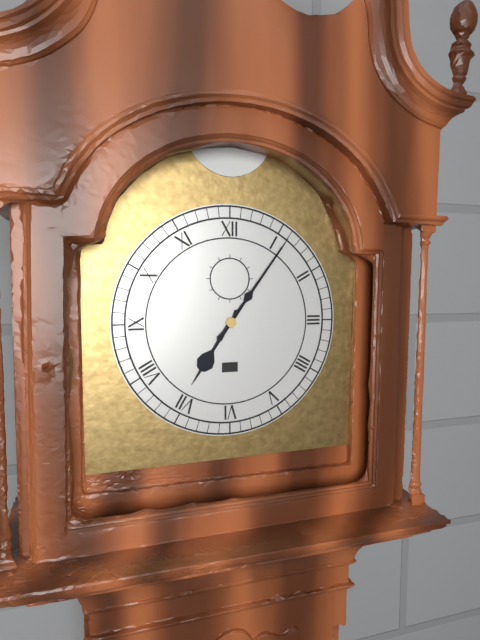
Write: 7:06
